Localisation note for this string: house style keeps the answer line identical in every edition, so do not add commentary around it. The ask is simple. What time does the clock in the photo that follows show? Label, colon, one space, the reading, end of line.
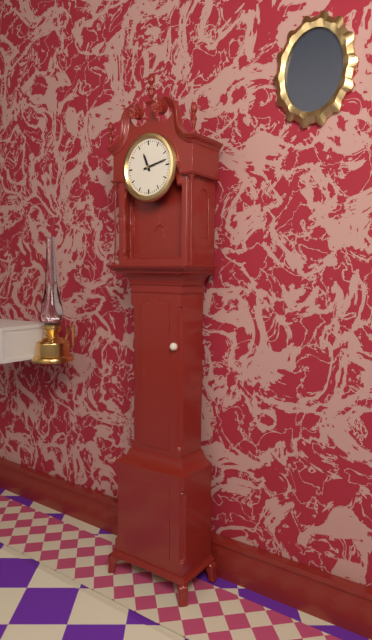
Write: 11:13
